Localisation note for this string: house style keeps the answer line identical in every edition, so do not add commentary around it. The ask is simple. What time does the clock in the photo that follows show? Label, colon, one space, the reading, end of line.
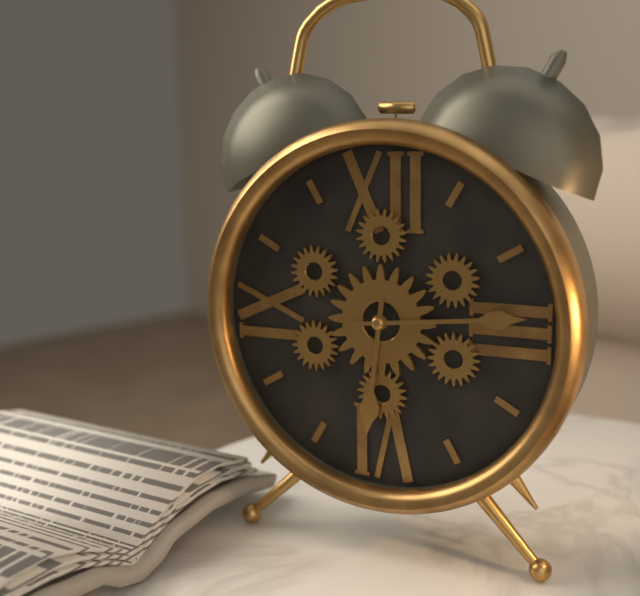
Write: 6:14
